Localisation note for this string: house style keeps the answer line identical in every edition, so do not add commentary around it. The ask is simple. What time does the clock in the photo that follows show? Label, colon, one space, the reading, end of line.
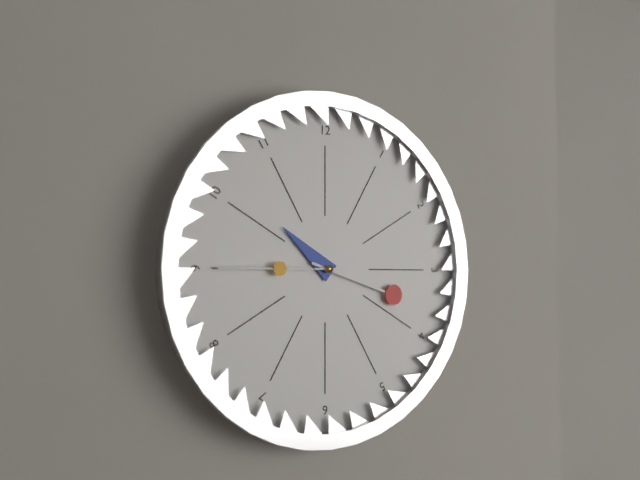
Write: 10:18:45
